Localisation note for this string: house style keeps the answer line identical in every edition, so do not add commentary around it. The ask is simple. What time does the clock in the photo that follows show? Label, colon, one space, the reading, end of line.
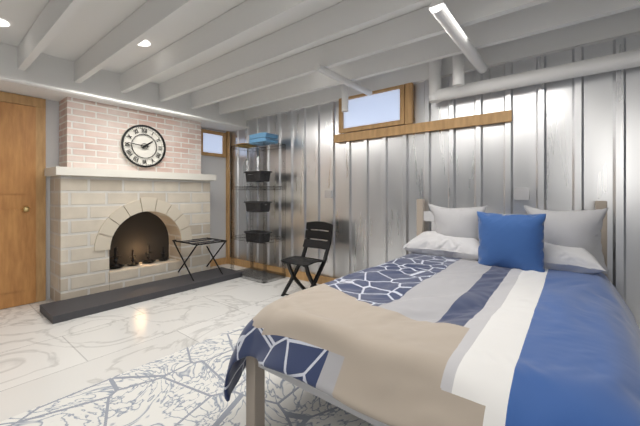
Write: 1:46
